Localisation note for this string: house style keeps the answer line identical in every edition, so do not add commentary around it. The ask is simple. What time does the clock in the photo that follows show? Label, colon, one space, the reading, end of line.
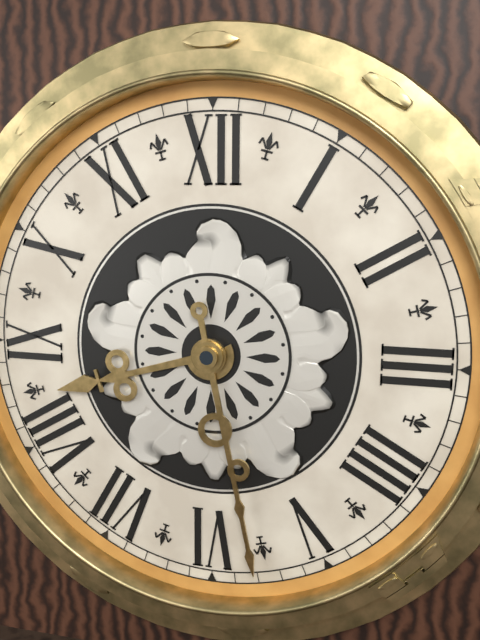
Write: 8:28
